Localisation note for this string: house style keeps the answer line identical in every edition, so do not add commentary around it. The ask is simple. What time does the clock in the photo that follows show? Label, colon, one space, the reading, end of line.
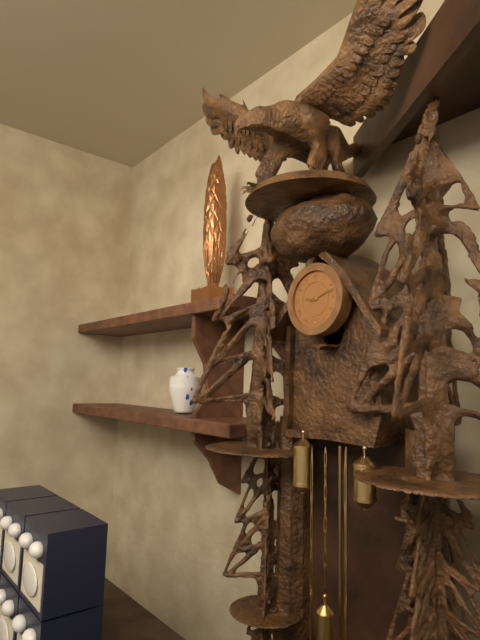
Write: 9:12
